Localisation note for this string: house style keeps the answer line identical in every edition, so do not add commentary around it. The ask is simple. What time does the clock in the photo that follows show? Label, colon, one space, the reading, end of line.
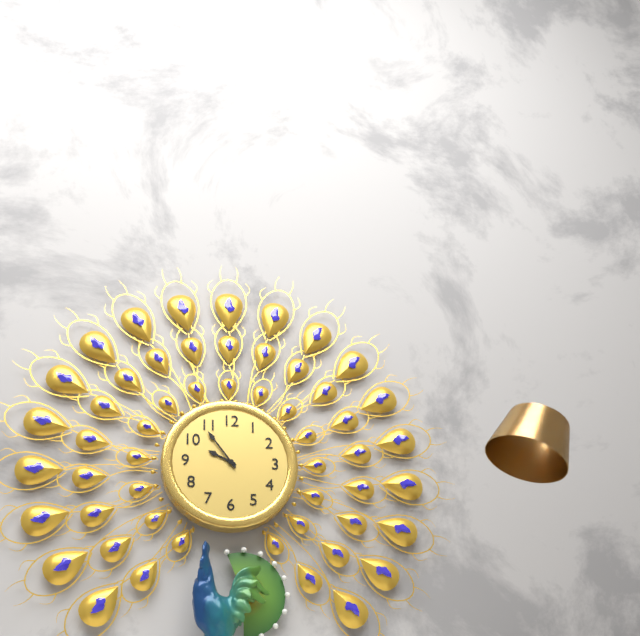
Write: 9:54
